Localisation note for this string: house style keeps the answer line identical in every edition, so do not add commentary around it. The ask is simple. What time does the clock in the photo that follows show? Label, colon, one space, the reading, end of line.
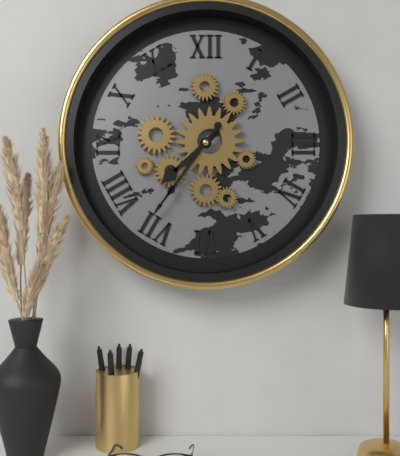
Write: 7:36
